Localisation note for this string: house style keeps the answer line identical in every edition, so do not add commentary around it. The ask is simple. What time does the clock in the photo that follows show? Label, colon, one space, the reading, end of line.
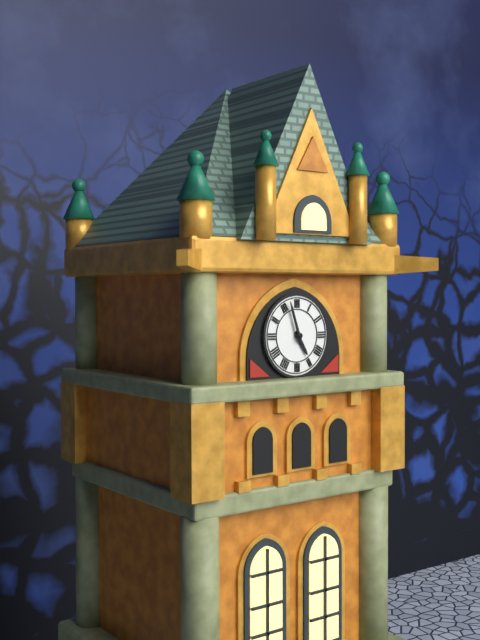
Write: 4:57
